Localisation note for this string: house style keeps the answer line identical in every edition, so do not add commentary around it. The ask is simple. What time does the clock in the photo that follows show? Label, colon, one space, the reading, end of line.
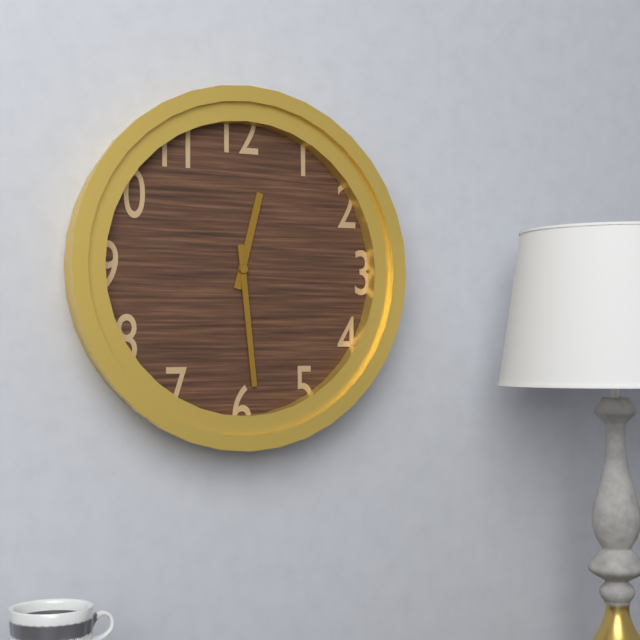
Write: 12:29
